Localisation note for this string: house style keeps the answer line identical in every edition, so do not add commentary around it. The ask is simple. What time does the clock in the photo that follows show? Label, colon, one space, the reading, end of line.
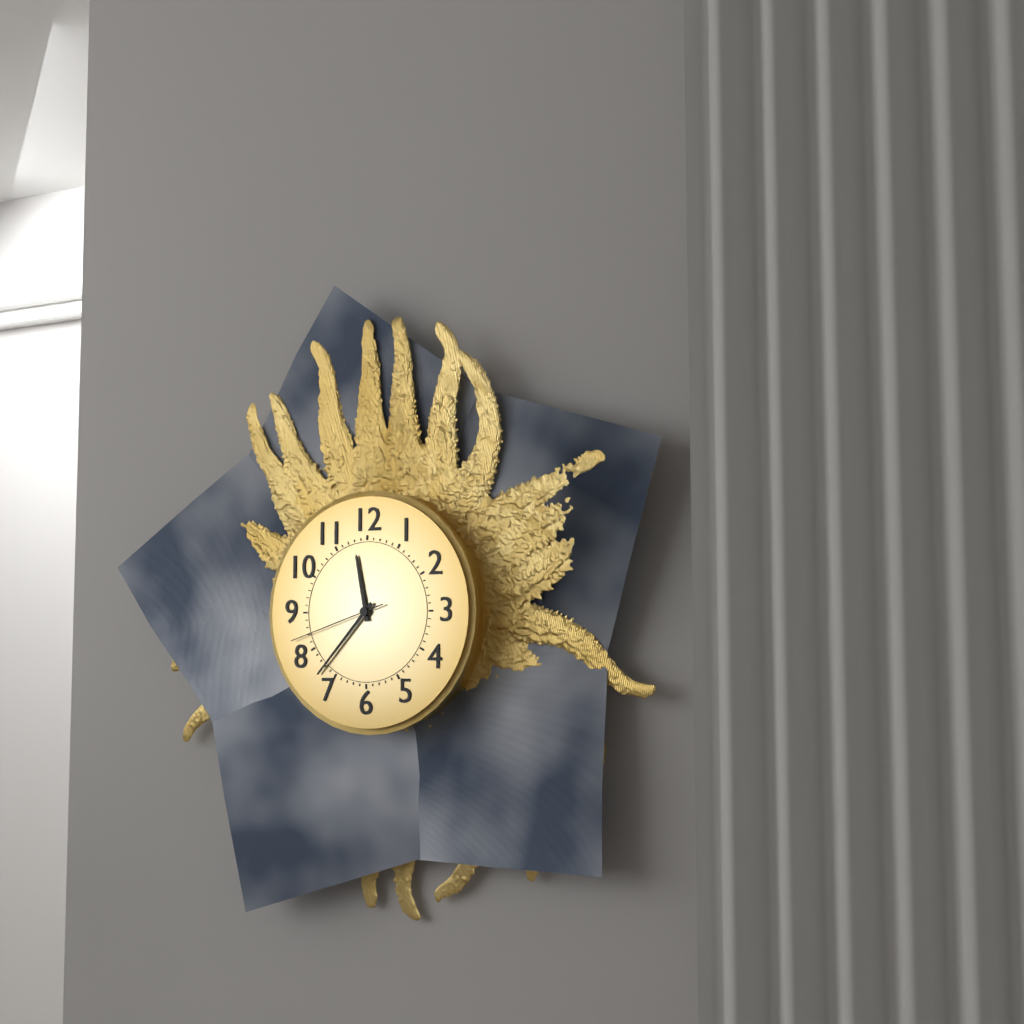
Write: 11:37:42
